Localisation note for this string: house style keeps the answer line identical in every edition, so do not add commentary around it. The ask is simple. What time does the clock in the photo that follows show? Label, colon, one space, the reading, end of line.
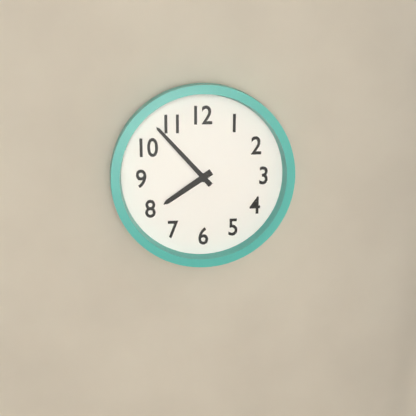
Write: 7:53
